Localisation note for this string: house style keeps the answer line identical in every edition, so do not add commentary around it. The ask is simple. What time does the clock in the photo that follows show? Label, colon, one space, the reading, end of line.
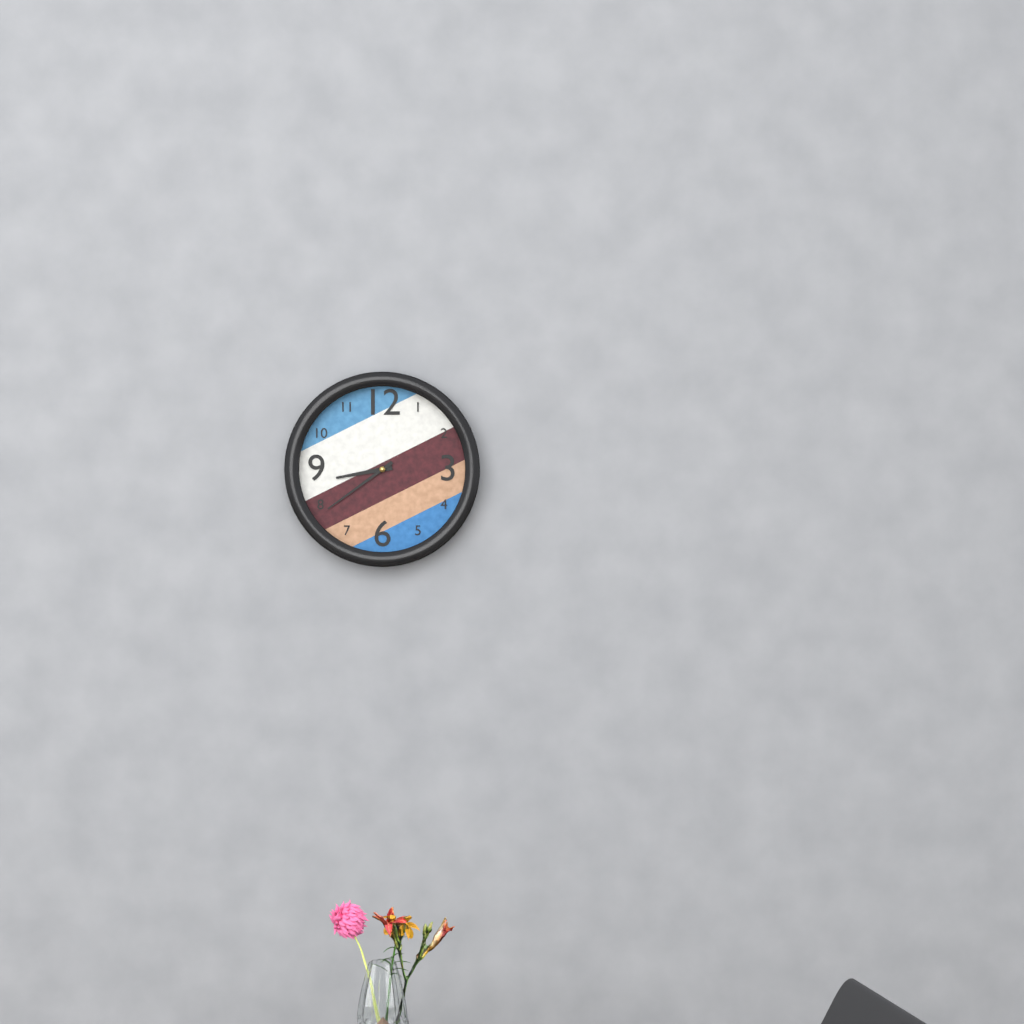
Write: 8:39
